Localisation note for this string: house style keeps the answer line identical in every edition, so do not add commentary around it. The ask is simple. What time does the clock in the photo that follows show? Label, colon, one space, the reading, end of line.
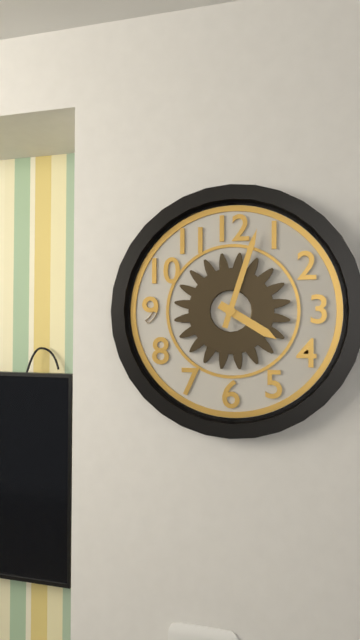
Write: 4:03
